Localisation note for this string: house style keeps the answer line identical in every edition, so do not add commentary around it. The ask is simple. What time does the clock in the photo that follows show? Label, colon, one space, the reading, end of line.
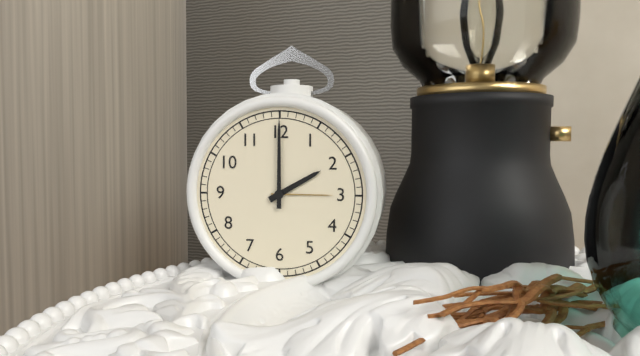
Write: 2:00
